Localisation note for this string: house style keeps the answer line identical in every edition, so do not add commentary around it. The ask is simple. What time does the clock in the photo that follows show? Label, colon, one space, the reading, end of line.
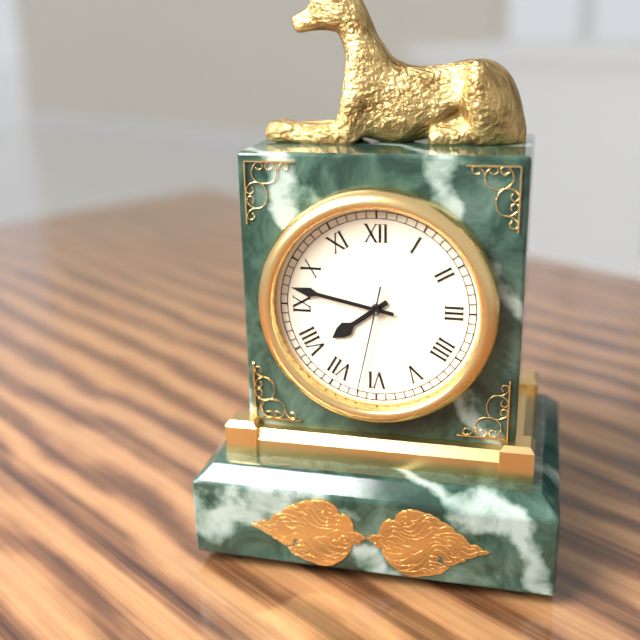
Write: 7:47:32
